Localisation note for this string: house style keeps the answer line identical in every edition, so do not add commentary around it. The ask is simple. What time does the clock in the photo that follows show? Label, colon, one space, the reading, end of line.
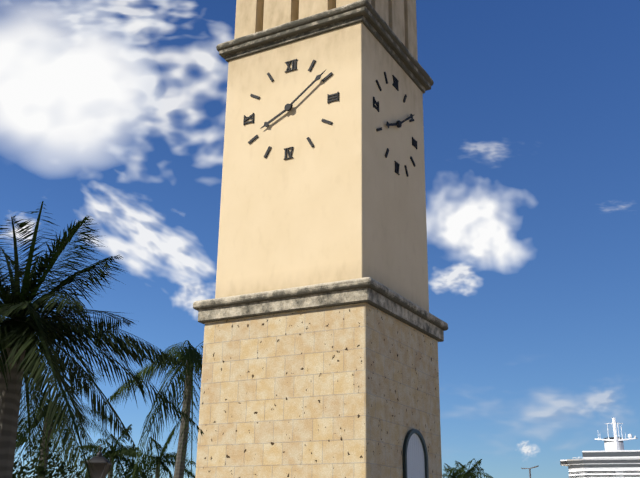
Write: 8:09
